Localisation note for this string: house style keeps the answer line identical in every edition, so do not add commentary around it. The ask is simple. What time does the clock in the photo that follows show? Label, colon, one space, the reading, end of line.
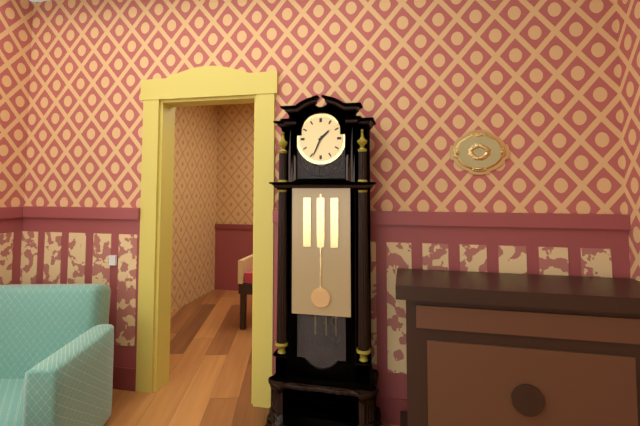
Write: 1:34
